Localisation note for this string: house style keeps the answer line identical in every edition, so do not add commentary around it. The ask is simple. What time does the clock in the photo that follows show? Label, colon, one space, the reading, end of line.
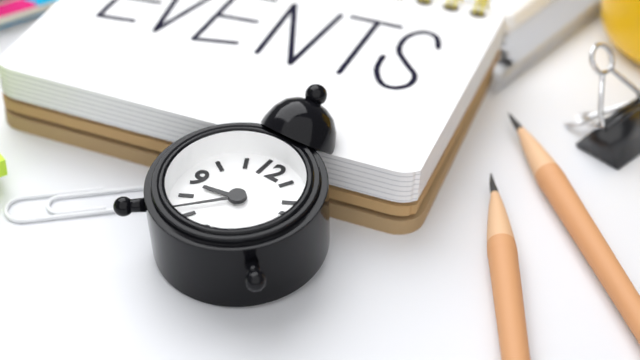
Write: 8:37
